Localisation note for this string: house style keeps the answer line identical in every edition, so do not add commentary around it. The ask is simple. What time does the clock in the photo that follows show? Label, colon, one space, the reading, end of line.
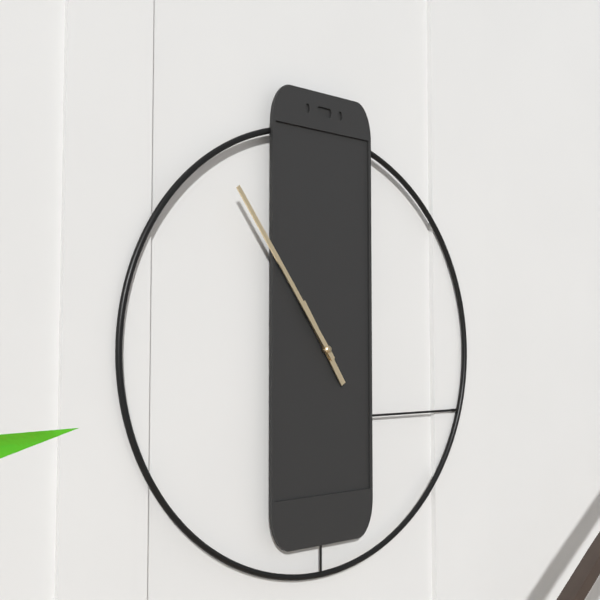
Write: 10:54
